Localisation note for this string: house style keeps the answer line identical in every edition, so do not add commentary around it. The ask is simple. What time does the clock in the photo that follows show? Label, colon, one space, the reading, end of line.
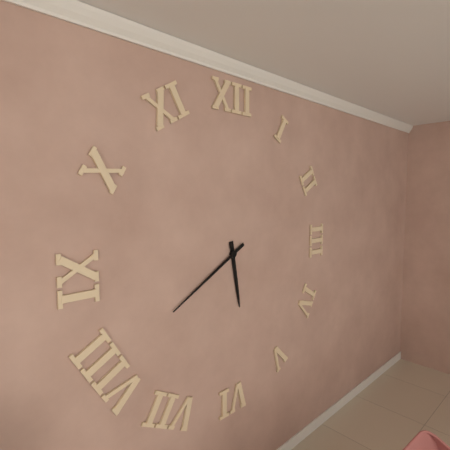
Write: 5:40
